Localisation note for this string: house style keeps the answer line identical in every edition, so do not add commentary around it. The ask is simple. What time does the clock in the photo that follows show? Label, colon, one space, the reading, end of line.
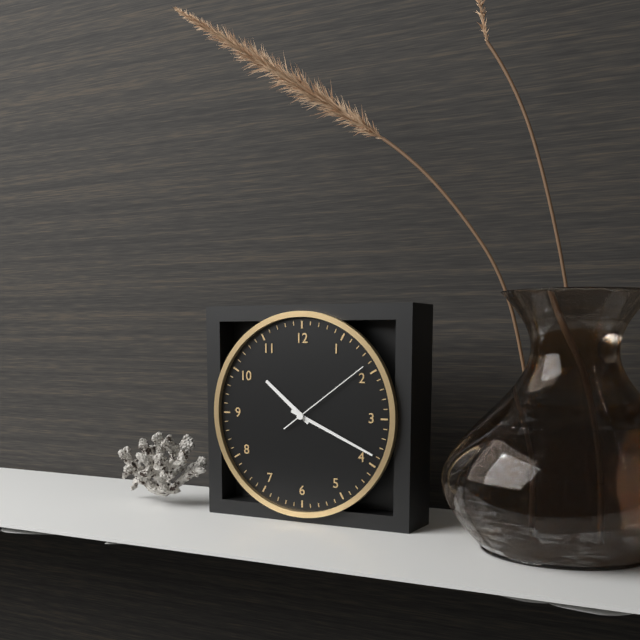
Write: 10:19:09
